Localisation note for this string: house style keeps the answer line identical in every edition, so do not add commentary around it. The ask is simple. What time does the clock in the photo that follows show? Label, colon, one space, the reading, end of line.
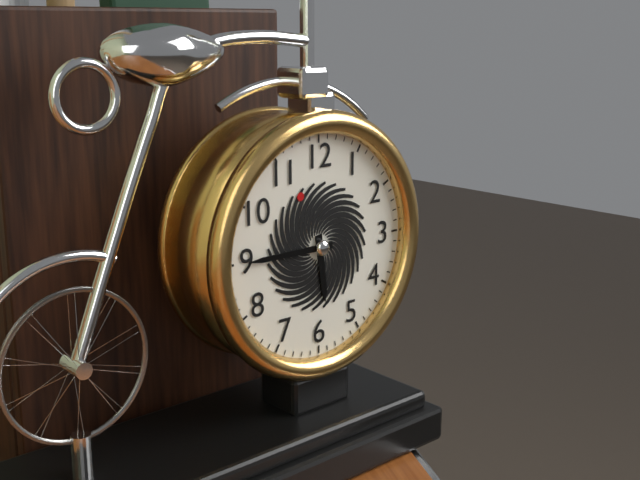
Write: 5:45
